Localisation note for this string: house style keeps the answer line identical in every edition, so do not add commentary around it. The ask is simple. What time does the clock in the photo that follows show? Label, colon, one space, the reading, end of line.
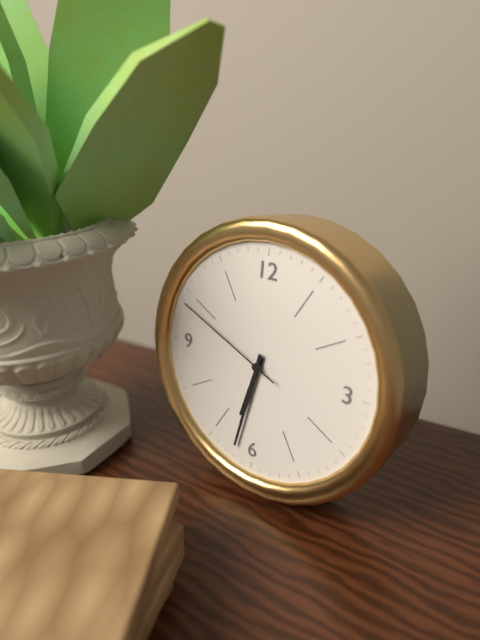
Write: 6:32:49
